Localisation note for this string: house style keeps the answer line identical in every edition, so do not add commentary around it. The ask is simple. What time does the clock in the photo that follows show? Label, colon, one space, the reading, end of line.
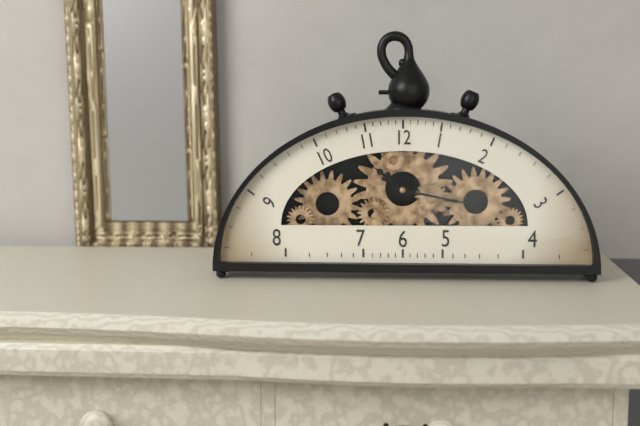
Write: 10:17
